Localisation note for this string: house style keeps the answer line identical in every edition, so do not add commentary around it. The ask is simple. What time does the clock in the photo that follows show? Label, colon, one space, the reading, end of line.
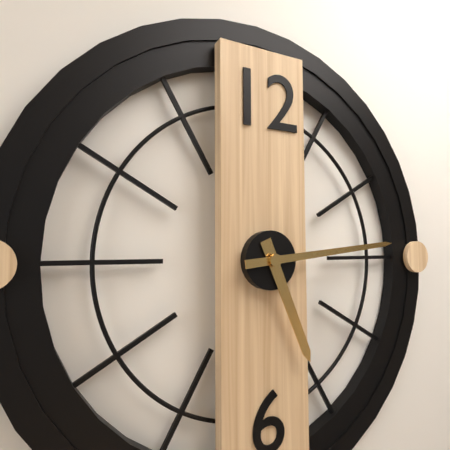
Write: 5:14
